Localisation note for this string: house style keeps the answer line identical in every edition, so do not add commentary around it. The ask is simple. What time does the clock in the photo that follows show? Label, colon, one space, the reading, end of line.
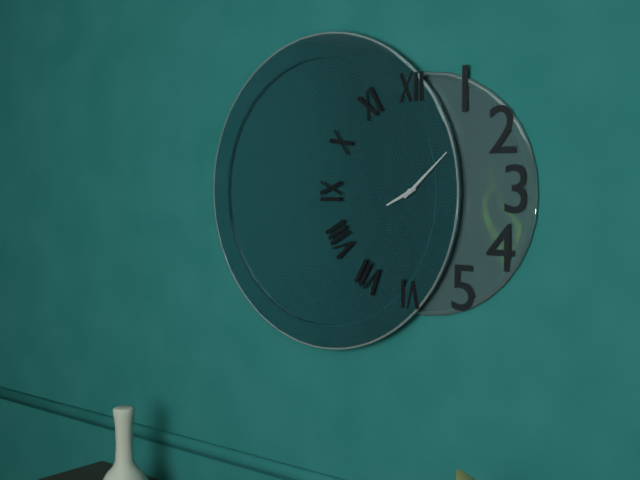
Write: 8:08
